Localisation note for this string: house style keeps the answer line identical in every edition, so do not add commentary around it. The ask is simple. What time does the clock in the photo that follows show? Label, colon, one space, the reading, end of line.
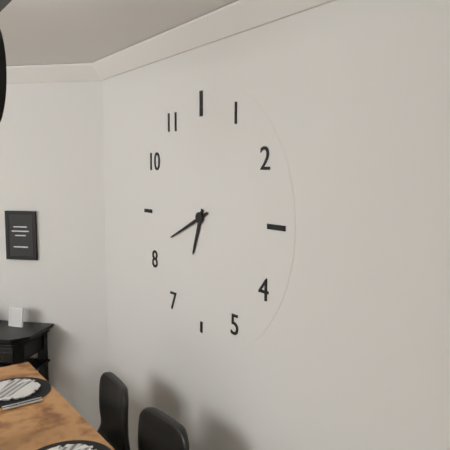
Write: 6:41
